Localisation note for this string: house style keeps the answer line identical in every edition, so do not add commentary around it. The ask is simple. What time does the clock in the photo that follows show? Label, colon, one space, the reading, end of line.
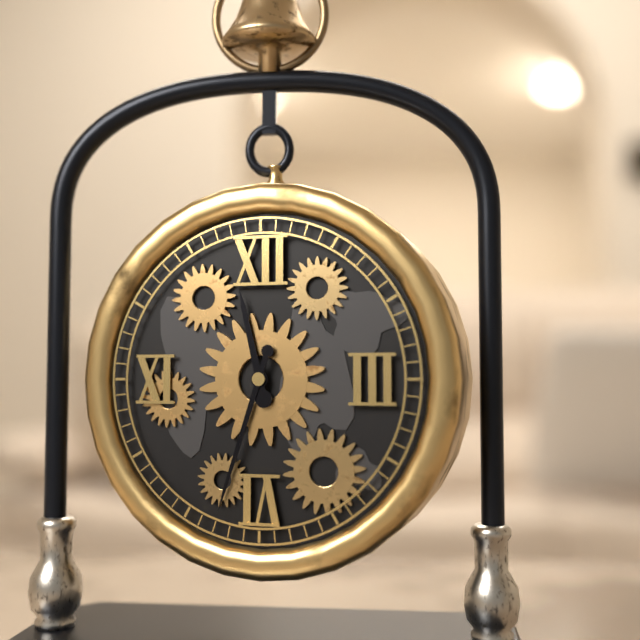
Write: 11:33
